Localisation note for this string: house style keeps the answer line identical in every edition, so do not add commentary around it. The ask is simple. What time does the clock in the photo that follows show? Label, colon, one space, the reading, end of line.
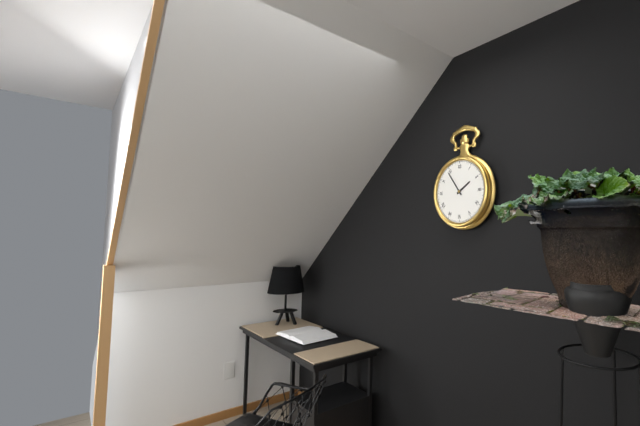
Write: 1:54
